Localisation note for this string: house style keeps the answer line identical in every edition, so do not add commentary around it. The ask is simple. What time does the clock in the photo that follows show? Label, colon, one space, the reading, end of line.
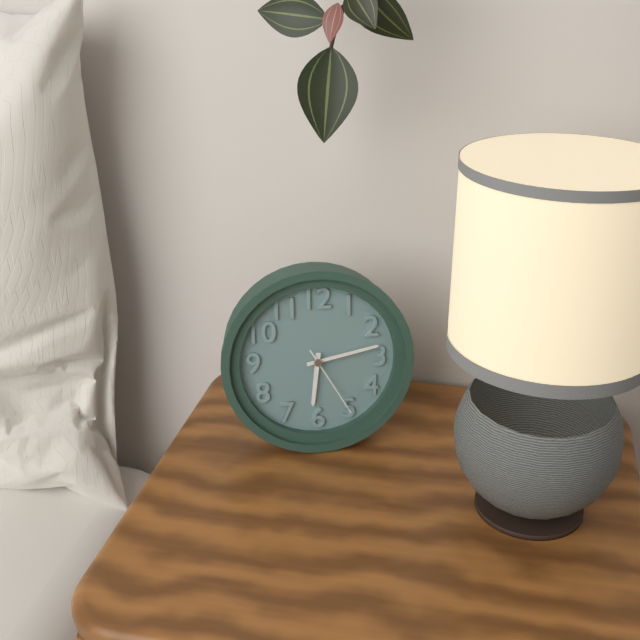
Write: 6:13:25
